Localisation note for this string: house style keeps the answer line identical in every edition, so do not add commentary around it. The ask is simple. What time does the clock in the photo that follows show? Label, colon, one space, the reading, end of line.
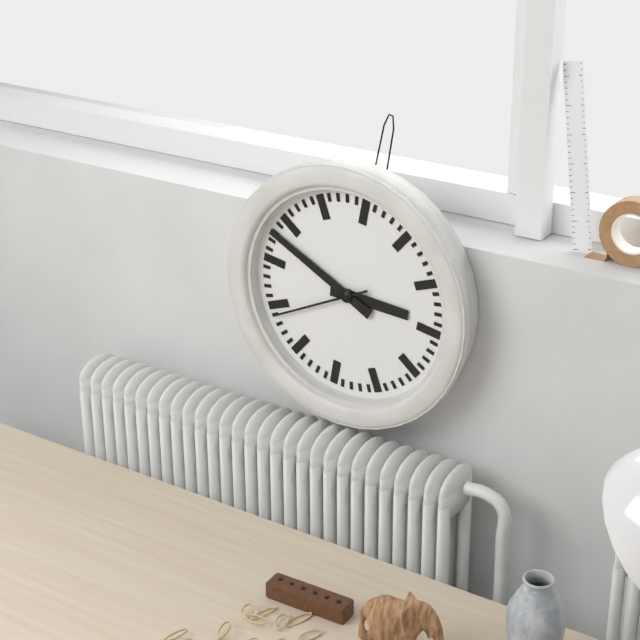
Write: 2:48:39
